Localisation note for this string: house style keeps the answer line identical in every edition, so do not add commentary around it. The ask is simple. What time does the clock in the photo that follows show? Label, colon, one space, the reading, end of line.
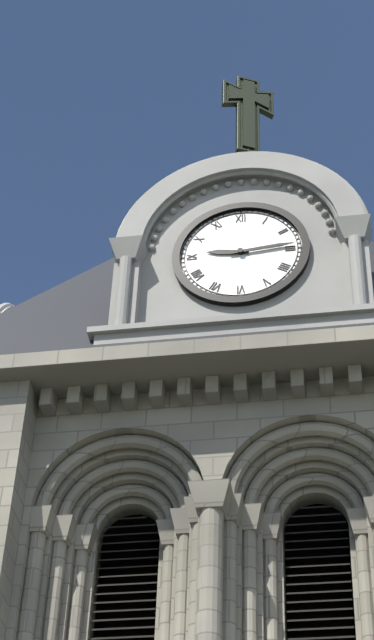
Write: 9:14
